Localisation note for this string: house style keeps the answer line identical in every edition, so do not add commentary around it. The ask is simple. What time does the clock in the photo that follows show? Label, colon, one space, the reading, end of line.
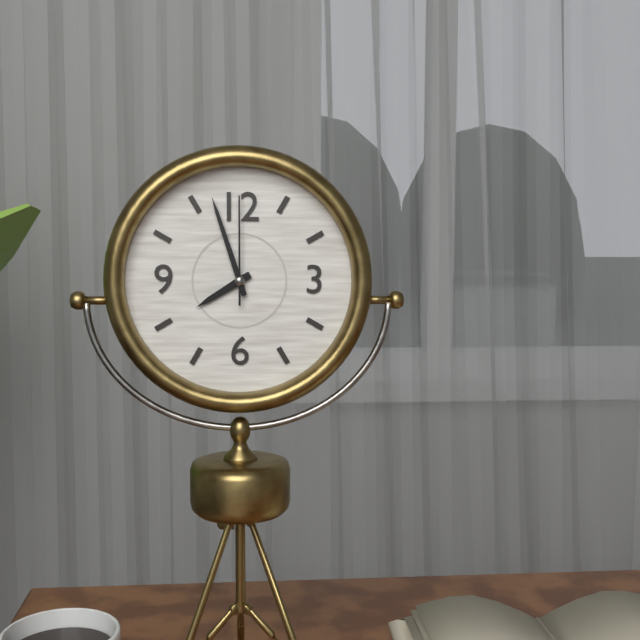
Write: 7:57:00
